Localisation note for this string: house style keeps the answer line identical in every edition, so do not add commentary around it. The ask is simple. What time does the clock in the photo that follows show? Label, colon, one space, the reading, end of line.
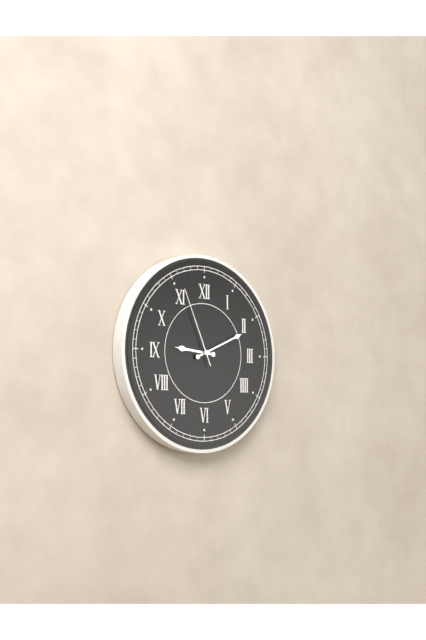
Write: 9:11:56
